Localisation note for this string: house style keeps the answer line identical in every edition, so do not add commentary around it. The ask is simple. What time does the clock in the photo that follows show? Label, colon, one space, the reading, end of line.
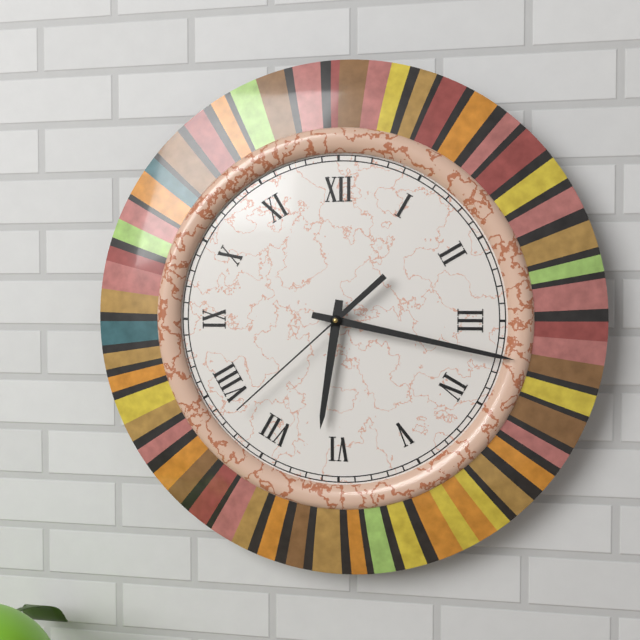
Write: 6:17:38
